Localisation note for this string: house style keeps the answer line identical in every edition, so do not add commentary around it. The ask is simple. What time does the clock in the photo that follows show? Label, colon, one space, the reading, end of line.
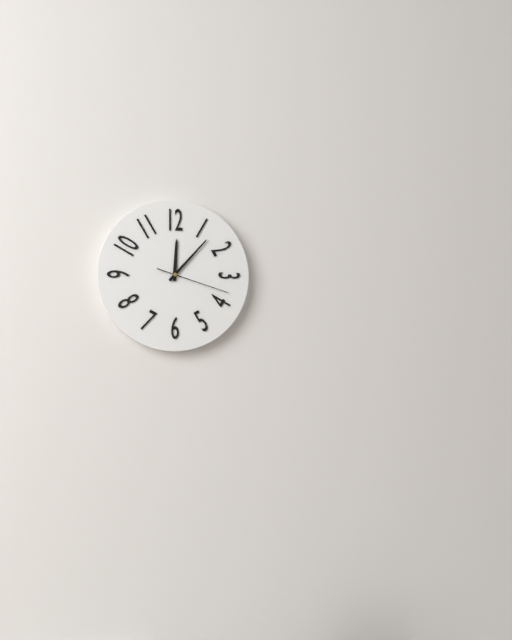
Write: 12:07:18
